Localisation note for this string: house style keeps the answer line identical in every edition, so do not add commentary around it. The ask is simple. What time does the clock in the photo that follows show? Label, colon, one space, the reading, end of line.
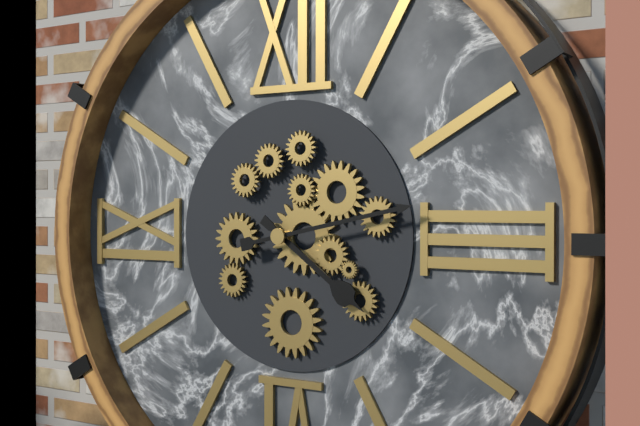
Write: 4:13
